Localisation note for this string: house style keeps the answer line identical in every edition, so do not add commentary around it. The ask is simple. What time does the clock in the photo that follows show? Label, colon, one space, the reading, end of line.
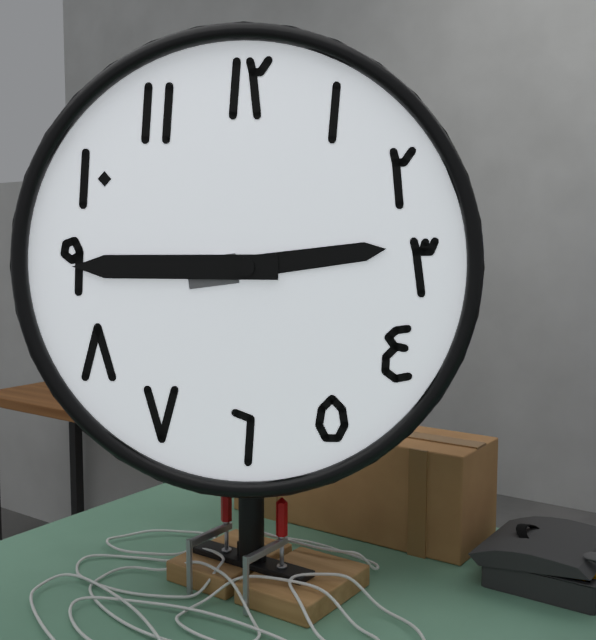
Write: 2:45
